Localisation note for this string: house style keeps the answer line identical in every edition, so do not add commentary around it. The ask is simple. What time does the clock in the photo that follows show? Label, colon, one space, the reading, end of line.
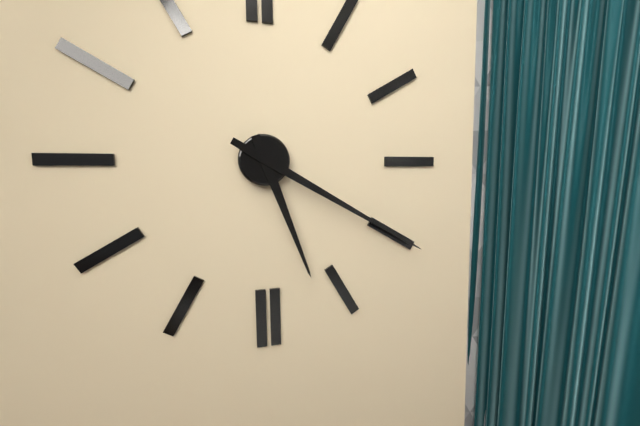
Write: 5:20
